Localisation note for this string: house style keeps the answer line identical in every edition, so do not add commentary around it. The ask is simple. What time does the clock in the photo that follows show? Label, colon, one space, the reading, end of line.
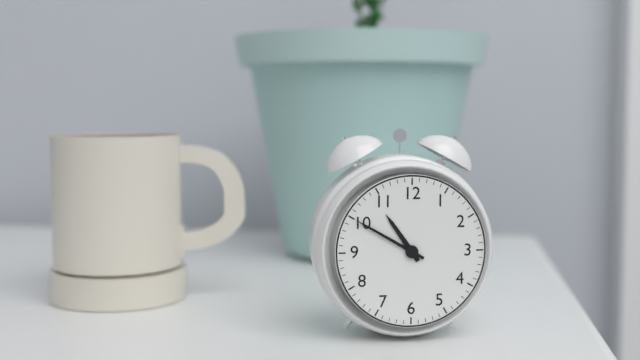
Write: 10:50
